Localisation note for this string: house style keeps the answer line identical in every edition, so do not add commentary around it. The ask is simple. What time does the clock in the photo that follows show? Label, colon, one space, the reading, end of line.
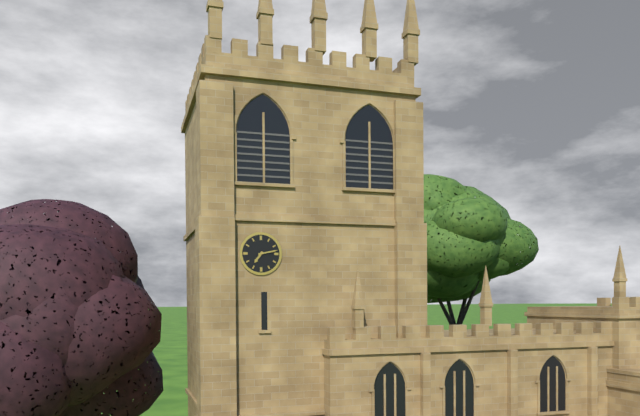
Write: 7:13
